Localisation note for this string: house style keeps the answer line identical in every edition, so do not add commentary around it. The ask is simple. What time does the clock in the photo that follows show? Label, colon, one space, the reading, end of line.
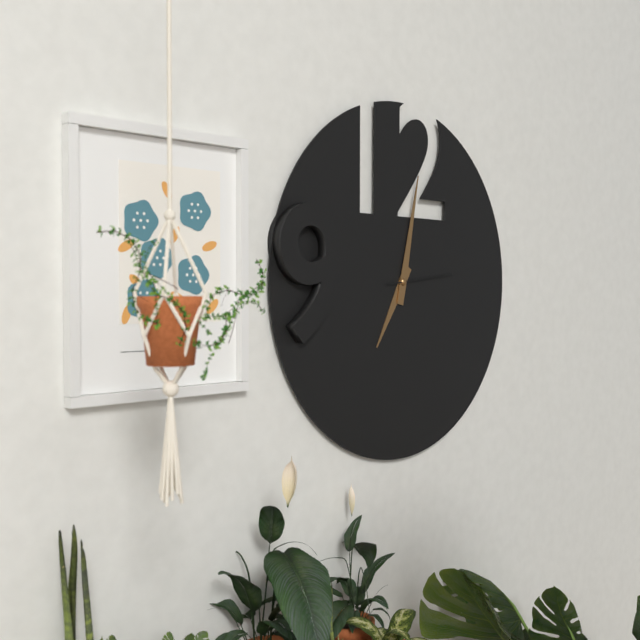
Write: 7:02:14
